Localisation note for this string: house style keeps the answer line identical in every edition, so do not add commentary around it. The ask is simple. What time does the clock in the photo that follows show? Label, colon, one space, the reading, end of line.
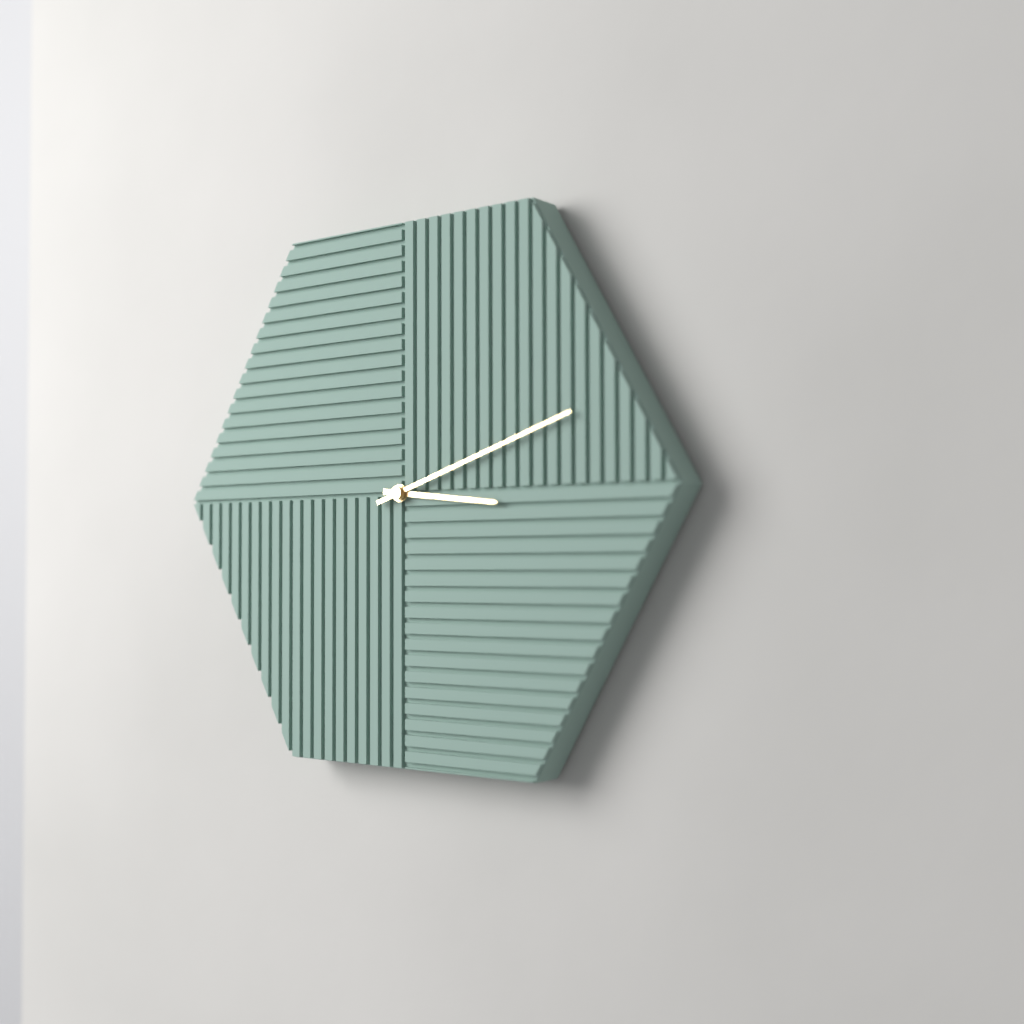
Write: 3:12
